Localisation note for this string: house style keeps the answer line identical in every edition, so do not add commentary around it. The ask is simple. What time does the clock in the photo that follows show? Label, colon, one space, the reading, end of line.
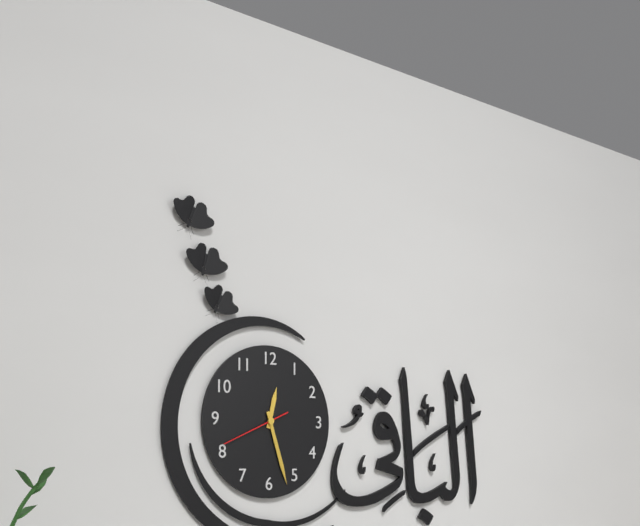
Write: 12:27:41
